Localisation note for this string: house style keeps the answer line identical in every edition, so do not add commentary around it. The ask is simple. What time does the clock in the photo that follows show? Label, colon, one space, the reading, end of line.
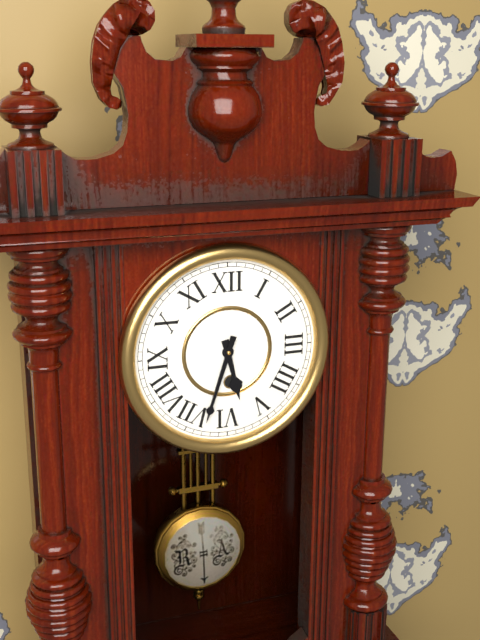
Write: 5:33
